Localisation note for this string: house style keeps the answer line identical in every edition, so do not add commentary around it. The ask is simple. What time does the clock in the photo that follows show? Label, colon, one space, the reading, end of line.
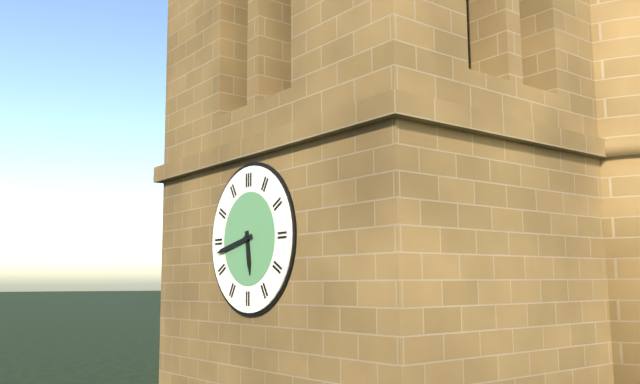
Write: 5:43
